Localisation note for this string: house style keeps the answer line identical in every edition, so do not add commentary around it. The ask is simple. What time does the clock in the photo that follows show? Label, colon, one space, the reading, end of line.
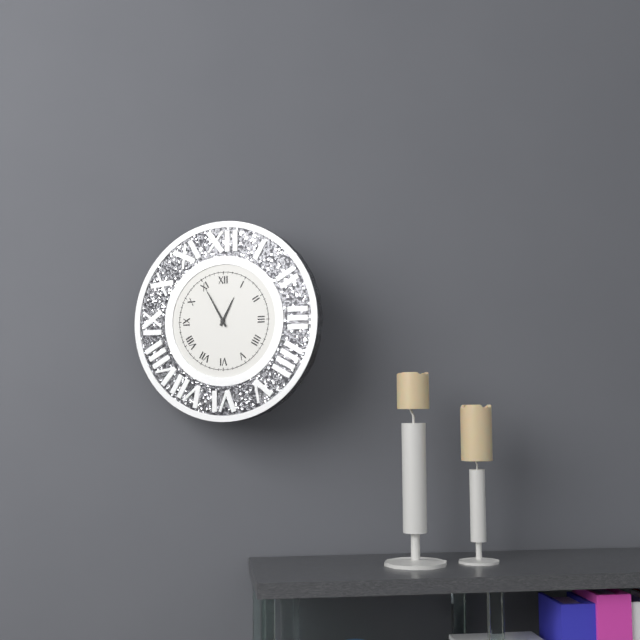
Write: 12:55
